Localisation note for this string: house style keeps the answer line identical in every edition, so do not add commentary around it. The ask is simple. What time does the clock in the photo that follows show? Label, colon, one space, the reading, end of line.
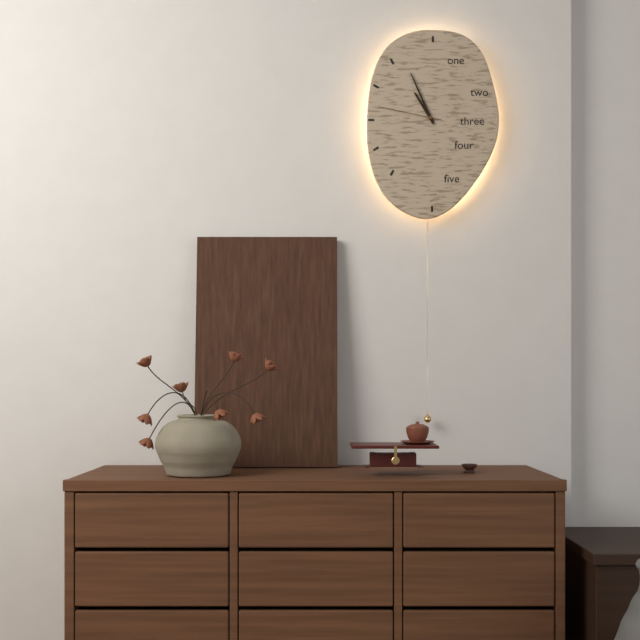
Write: 10:56:47
